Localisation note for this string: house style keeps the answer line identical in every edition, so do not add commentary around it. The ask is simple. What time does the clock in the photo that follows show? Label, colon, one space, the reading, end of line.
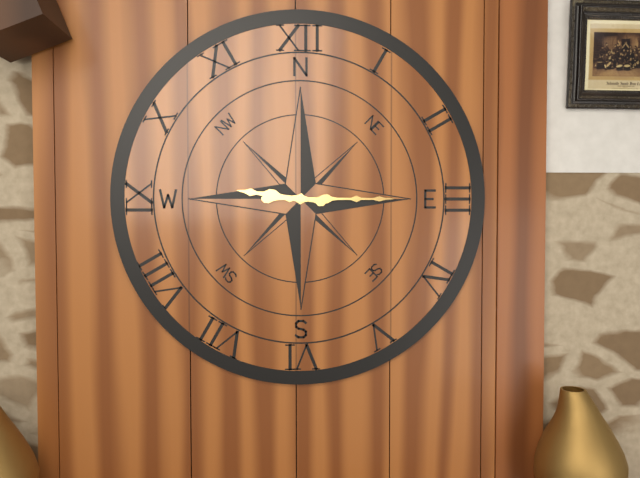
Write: 9:15
